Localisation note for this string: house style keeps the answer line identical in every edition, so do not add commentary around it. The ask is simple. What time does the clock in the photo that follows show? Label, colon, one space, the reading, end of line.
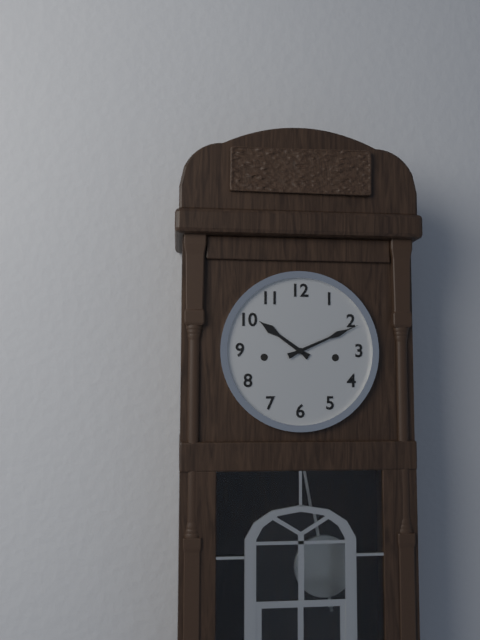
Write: 10:11
